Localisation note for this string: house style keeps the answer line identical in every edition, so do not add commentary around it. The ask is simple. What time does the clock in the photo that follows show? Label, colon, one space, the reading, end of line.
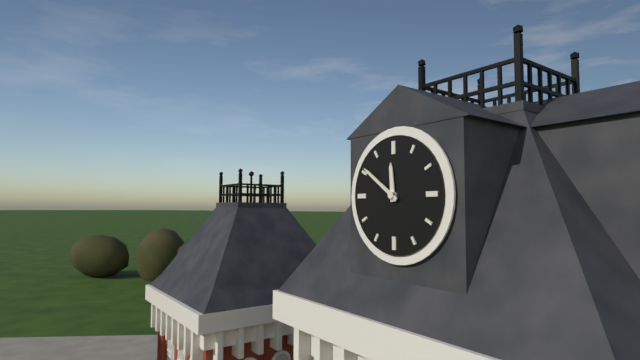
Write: 11:51
